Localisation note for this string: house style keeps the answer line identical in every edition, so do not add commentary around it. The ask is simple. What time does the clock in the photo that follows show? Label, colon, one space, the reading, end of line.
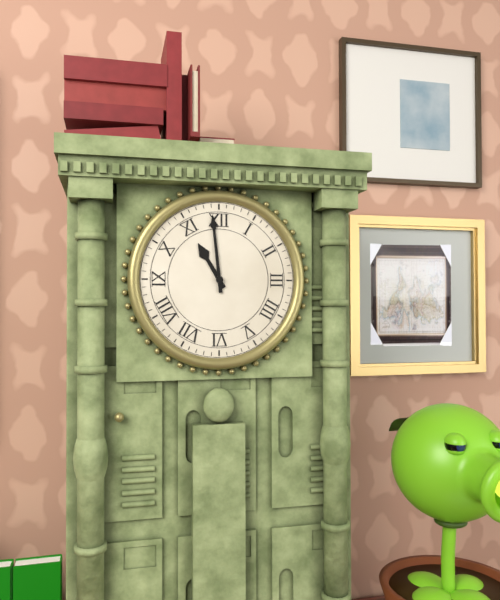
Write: 10:59
